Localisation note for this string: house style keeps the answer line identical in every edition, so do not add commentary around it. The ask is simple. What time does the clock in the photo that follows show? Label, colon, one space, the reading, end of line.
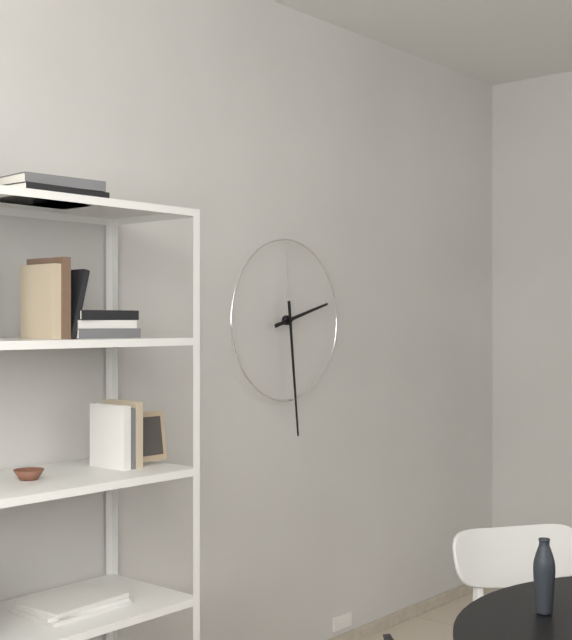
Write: 2:29
